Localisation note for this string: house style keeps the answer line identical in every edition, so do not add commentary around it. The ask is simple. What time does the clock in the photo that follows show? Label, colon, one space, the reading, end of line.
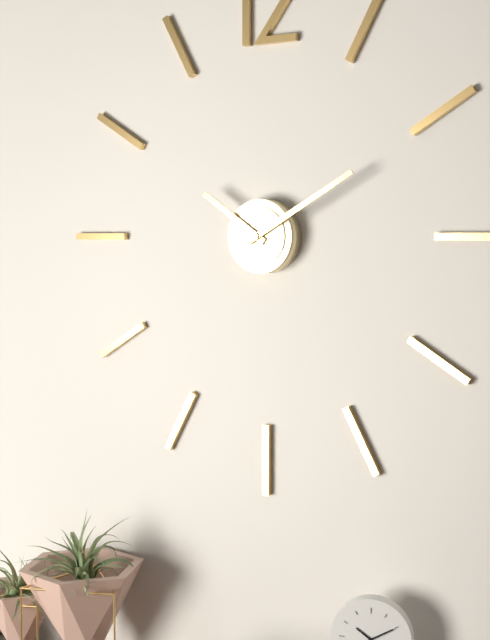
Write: 10:10
